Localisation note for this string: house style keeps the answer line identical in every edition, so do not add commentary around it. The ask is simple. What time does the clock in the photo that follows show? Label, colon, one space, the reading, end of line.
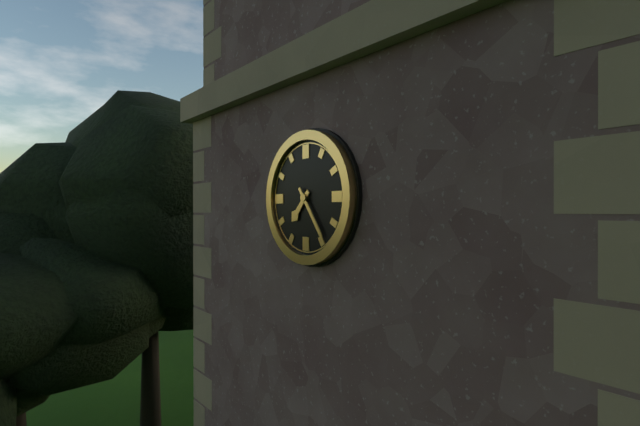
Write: 7:24
